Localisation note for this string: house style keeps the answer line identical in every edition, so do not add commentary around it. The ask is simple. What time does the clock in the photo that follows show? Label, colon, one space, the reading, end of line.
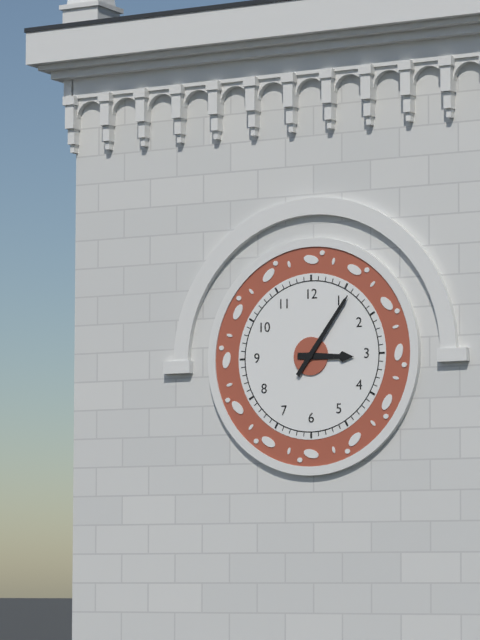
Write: 3:06
